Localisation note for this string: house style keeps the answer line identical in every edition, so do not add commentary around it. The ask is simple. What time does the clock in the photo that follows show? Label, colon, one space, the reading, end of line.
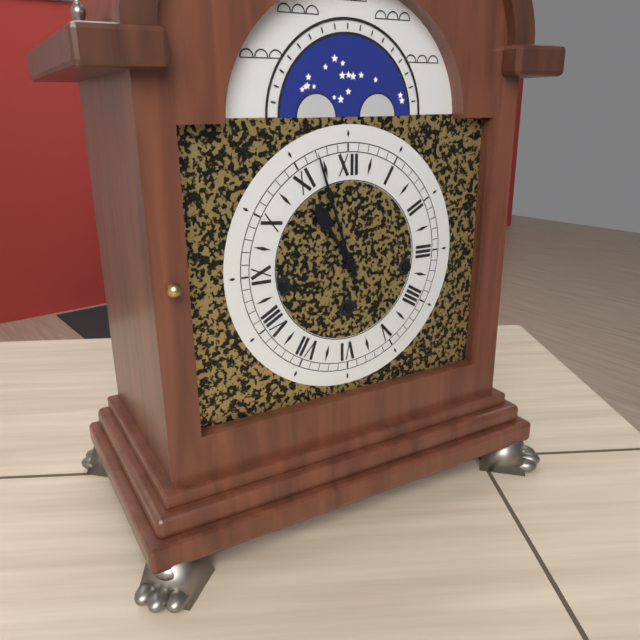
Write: 10:57
